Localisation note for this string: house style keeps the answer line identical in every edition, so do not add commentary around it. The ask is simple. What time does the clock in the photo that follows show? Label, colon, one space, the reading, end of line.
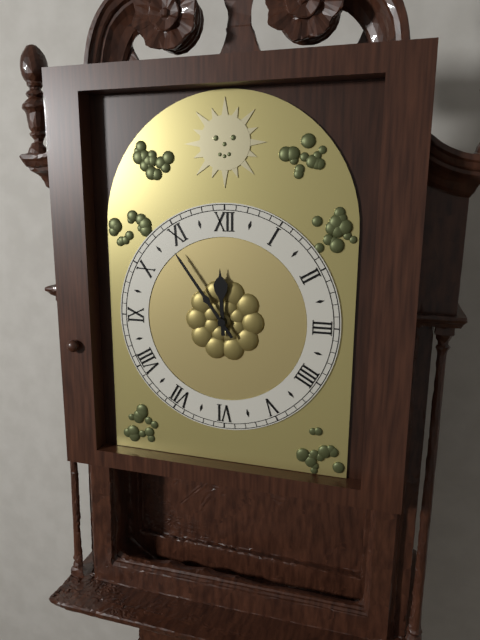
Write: 11:54
